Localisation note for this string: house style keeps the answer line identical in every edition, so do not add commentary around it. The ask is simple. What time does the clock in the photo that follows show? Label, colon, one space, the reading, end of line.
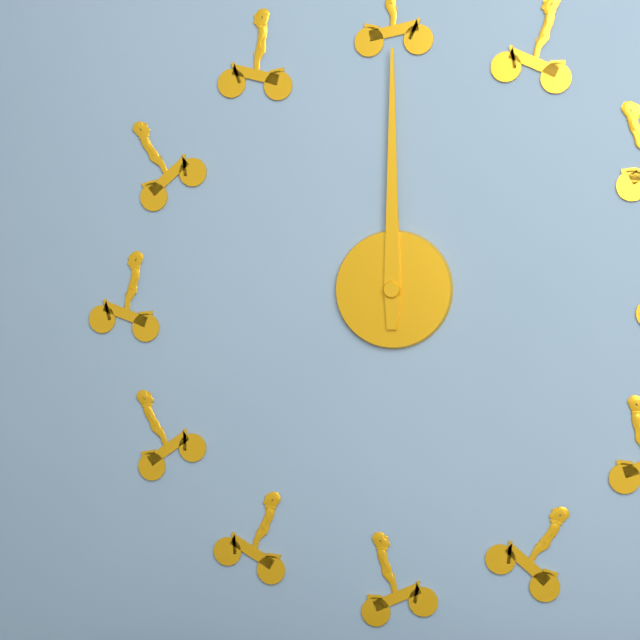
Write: 12:00
